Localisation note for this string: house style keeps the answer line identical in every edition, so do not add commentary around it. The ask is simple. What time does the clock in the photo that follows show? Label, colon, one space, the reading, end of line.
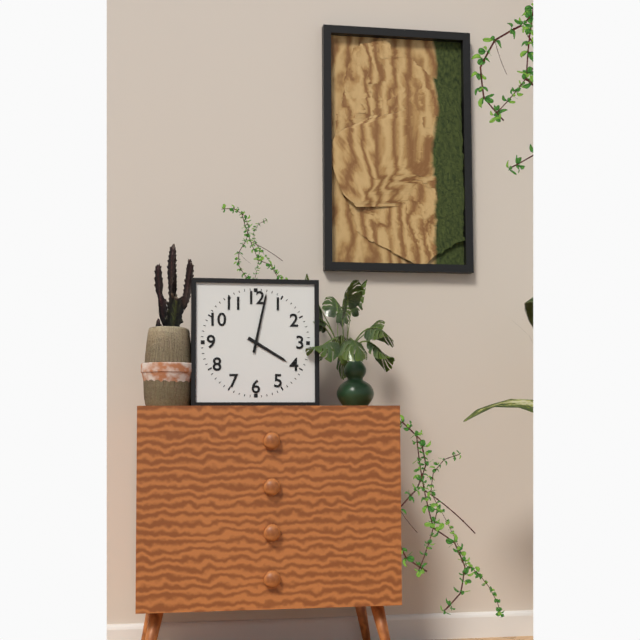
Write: 4:02
